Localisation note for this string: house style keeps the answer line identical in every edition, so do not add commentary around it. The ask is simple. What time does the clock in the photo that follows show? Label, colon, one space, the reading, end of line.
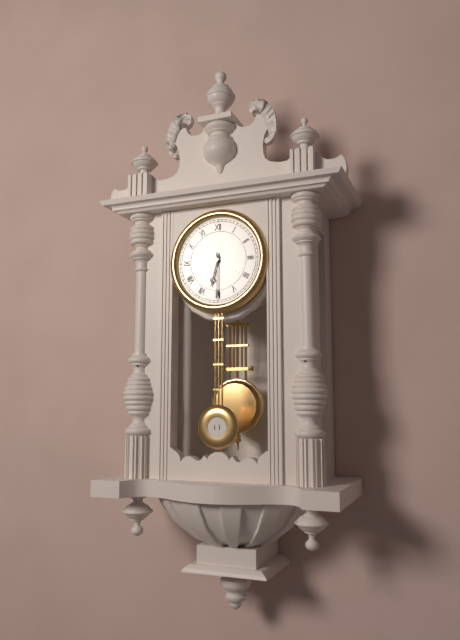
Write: 6:30
